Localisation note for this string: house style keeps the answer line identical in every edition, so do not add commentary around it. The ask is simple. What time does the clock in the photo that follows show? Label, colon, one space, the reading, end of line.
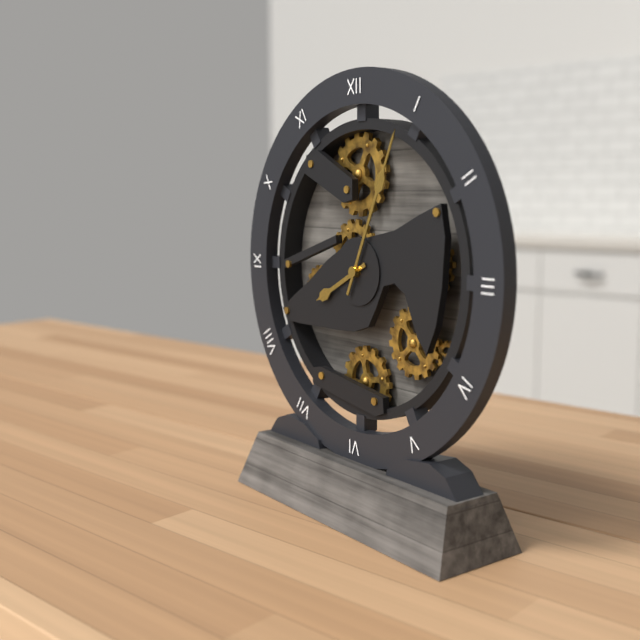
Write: 8:04
